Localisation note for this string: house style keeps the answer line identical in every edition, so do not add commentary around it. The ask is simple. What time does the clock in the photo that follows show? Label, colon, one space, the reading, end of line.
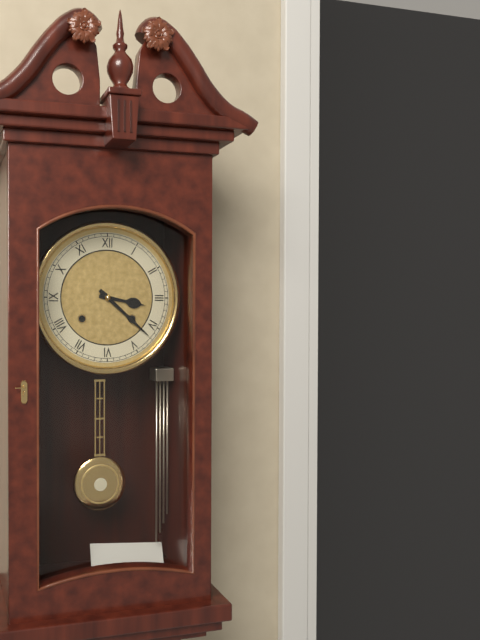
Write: 3:22
